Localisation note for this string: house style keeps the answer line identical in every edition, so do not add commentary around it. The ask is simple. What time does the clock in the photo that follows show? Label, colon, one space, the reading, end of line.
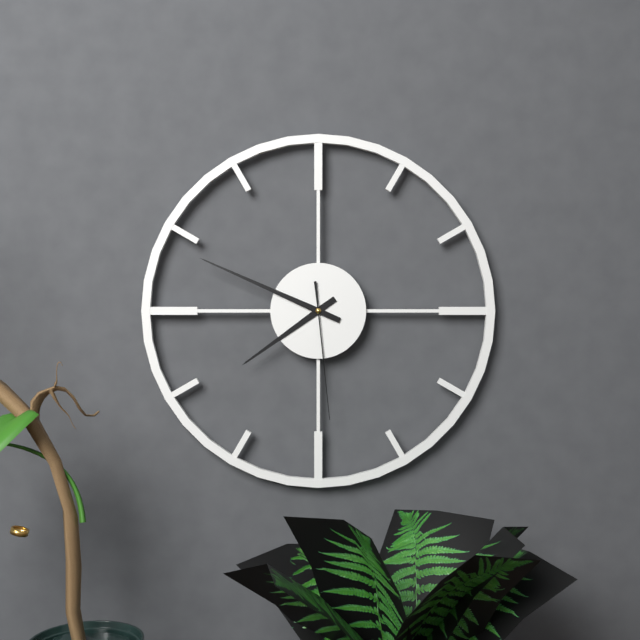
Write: 7:49:29
